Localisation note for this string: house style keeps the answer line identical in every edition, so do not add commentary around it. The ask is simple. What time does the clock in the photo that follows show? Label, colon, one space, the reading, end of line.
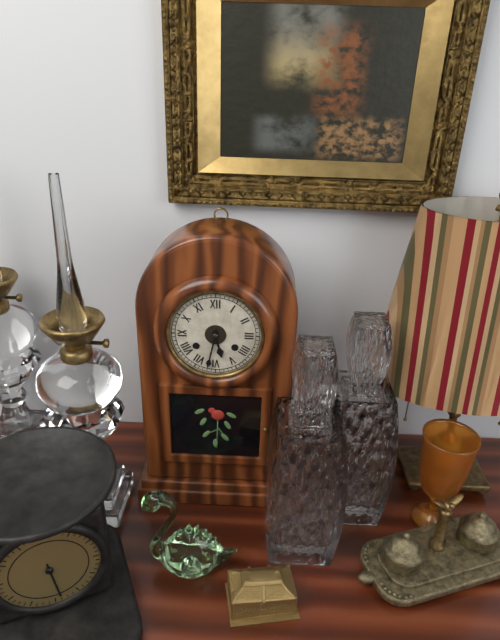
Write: 5:32
